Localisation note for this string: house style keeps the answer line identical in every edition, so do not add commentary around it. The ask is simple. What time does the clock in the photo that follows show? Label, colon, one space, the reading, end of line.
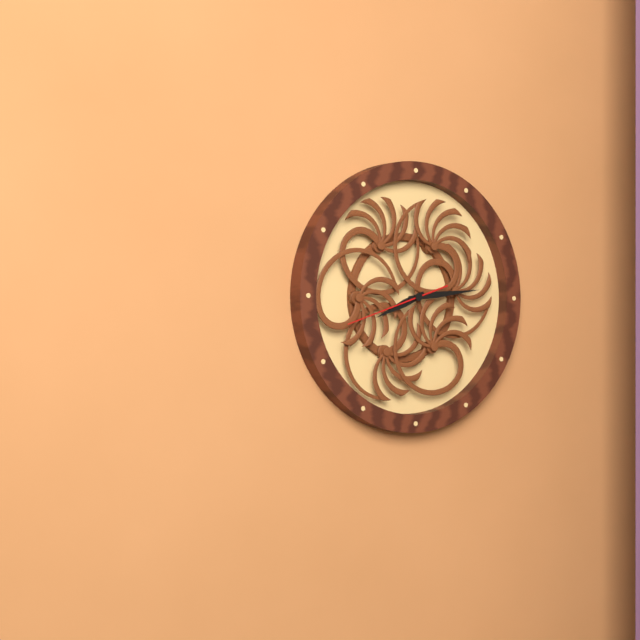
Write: 8:14:42
